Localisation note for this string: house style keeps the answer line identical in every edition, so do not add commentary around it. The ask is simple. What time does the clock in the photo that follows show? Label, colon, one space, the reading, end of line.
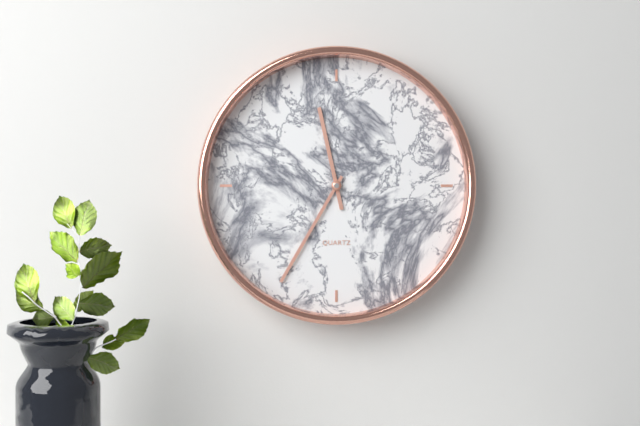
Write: 11:35
